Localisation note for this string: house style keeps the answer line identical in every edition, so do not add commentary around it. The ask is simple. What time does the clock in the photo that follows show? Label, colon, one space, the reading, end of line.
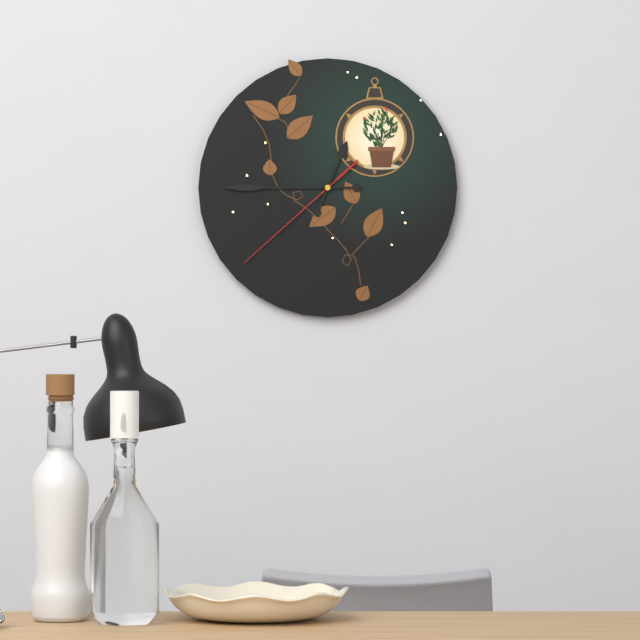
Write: 12:45:38
